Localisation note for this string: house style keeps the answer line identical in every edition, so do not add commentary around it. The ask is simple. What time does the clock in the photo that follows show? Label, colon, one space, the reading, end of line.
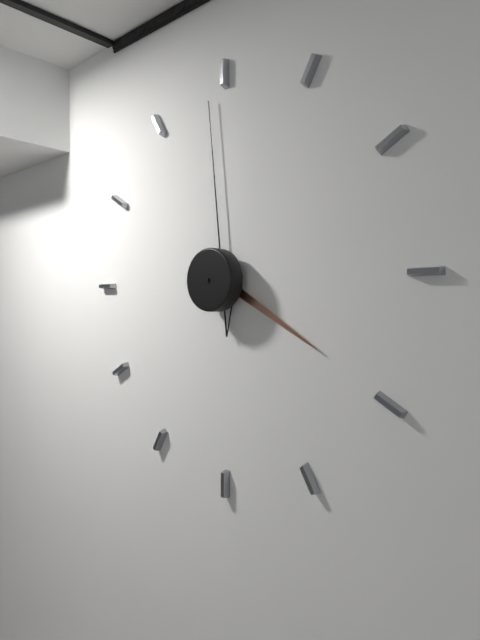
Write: 3:59
